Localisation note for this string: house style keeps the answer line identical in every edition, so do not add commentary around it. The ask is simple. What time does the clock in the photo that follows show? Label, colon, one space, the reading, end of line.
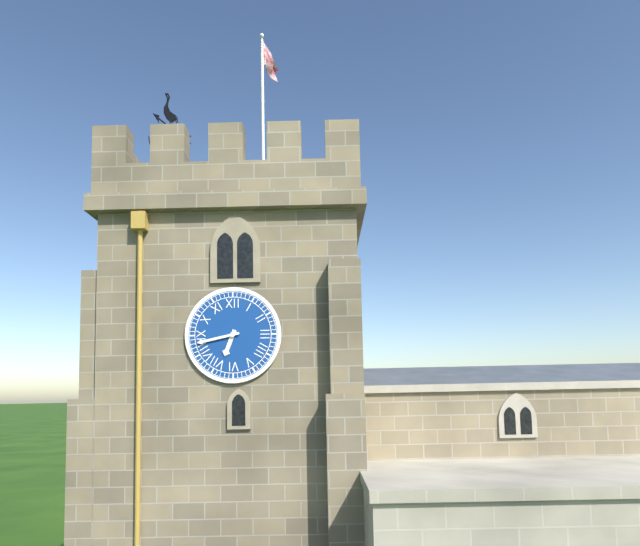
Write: 6:43
